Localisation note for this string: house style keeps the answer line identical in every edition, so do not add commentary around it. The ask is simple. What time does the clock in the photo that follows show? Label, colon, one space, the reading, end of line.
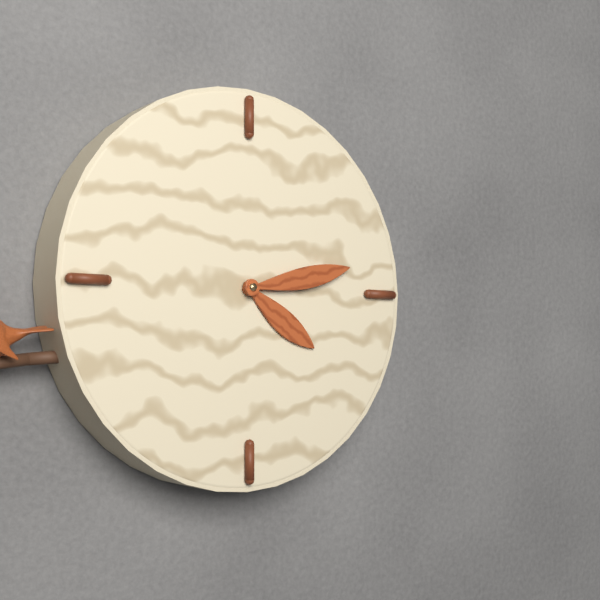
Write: 4:13
